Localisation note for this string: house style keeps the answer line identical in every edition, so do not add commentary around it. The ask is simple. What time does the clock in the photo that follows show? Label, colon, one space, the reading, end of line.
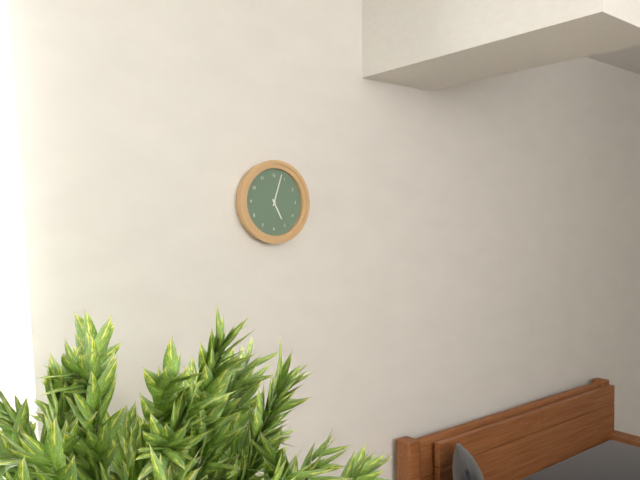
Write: 5:03
